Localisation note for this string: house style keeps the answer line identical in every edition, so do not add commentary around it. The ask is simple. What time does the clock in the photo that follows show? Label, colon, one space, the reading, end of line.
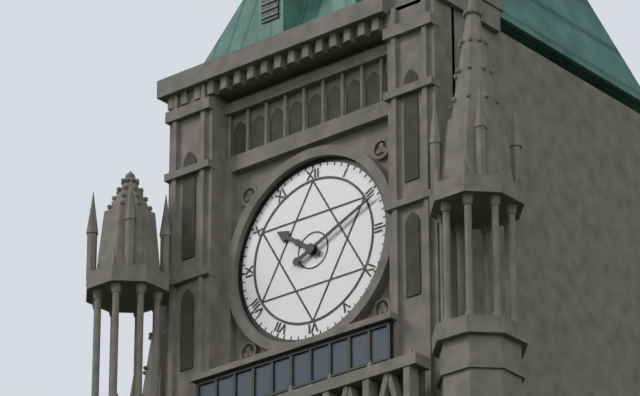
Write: 10:11
